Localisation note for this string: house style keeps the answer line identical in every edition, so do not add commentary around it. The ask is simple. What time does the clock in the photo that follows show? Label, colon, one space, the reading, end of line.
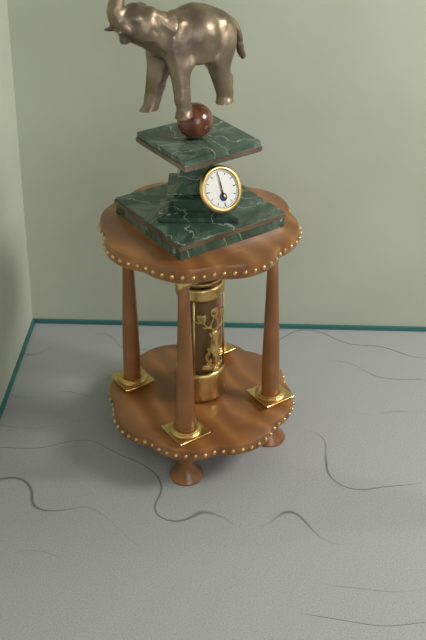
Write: 6:00
